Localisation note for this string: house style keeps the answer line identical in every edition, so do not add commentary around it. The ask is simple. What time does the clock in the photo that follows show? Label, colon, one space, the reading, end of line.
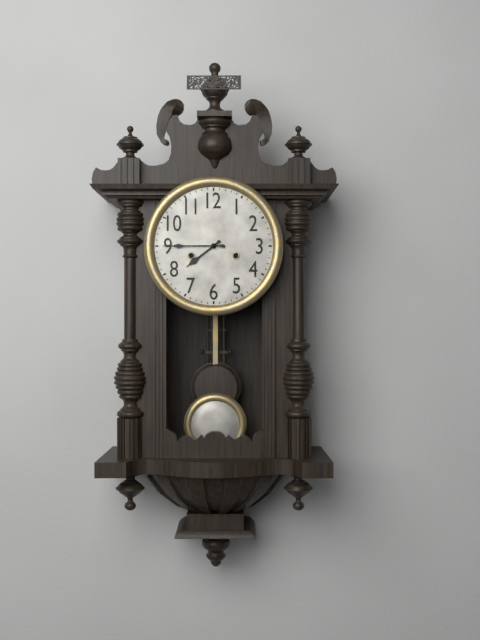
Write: 7:45
